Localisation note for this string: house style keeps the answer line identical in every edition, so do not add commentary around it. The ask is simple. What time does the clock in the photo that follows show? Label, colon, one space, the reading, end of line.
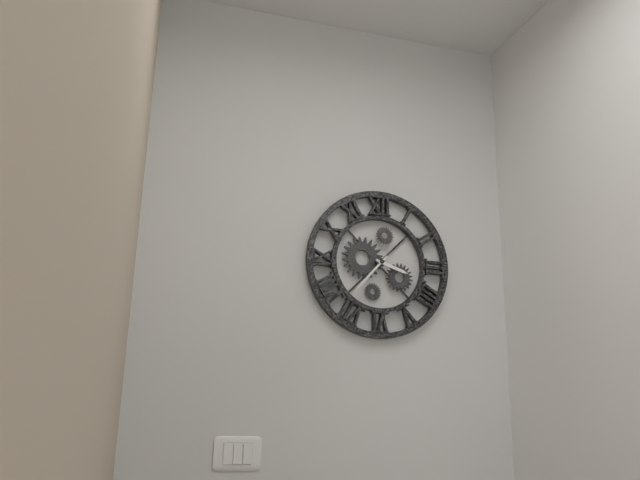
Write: 3:37
